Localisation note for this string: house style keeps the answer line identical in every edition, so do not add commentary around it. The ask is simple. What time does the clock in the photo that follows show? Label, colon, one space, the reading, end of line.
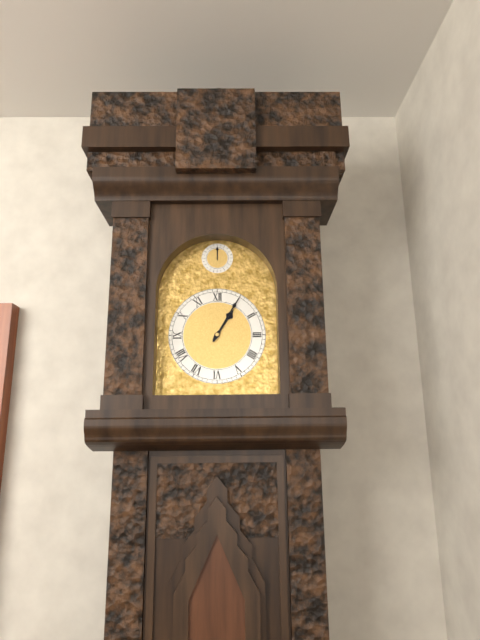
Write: 1:05
